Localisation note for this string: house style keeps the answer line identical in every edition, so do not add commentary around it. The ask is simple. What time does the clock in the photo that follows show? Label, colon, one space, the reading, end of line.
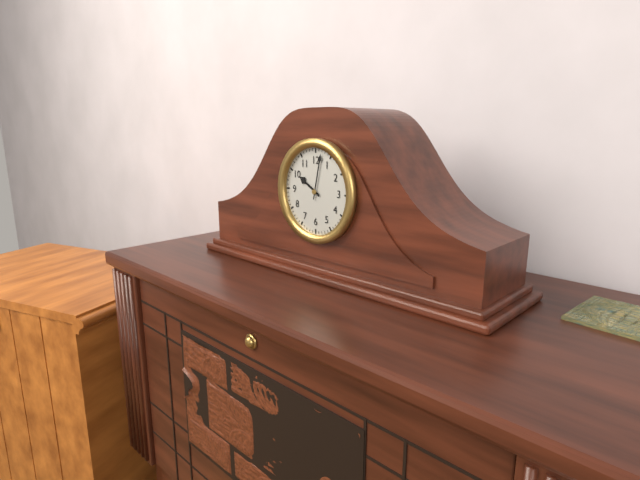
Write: 10:02
